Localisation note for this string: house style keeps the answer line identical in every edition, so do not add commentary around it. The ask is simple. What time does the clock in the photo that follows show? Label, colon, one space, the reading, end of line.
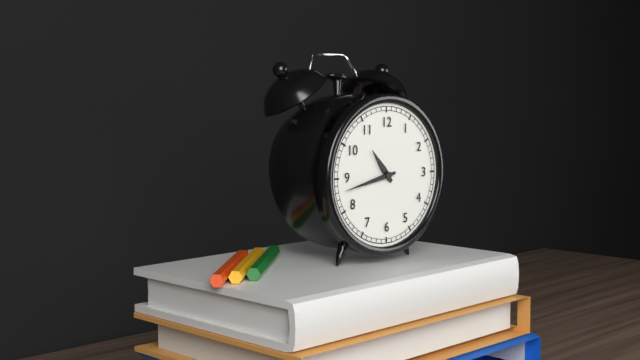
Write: 10:43
